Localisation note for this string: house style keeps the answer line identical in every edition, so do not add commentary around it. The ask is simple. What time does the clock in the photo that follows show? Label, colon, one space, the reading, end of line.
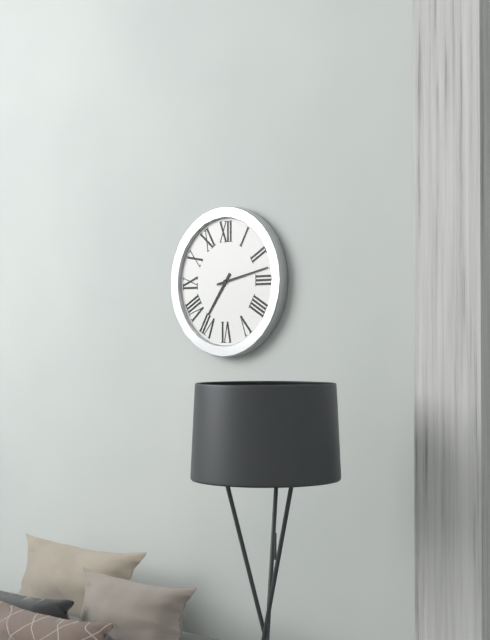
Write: 7:13
